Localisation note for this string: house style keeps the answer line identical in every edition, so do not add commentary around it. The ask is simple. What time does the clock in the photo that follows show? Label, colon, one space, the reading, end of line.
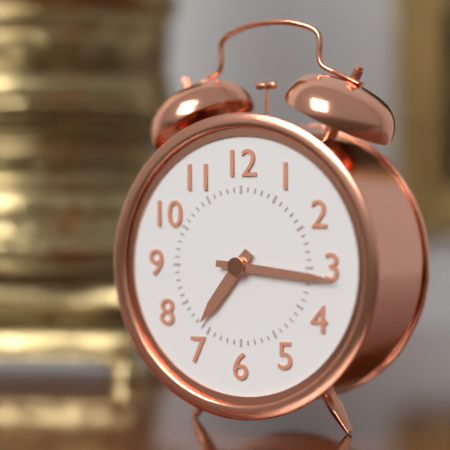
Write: 7:16
